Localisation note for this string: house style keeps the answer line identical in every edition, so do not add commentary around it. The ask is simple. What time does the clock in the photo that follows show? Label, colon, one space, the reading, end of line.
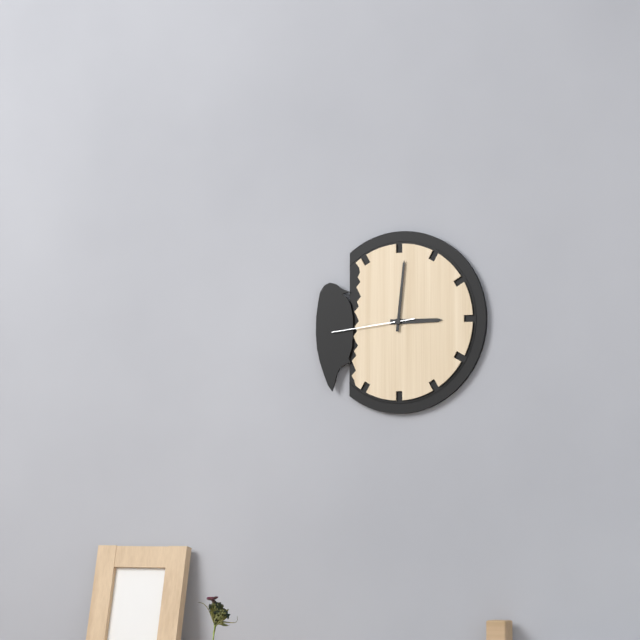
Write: 3:01:44
